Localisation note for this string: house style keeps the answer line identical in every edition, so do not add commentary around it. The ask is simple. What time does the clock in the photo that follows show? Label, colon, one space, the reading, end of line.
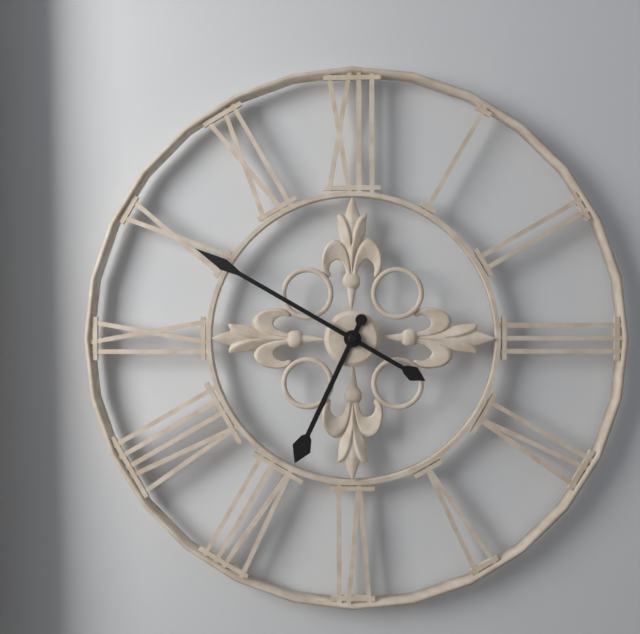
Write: 6:50
